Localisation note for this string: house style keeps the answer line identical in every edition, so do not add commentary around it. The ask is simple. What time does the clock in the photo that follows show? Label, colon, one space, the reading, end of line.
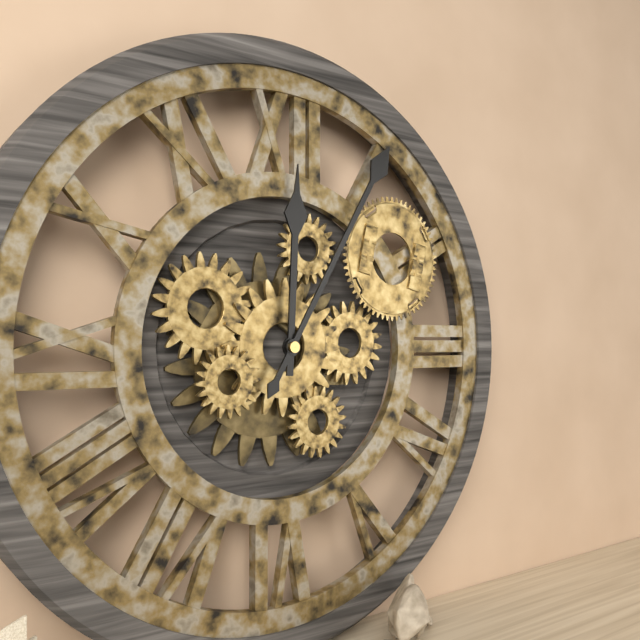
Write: 12:05
